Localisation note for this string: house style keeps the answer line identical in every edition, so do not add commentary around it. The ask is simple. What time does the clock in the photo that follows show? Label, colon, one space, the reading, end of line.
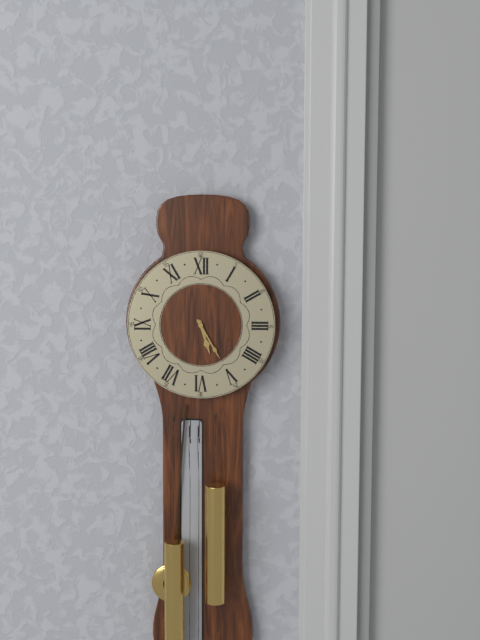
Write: 5:25
